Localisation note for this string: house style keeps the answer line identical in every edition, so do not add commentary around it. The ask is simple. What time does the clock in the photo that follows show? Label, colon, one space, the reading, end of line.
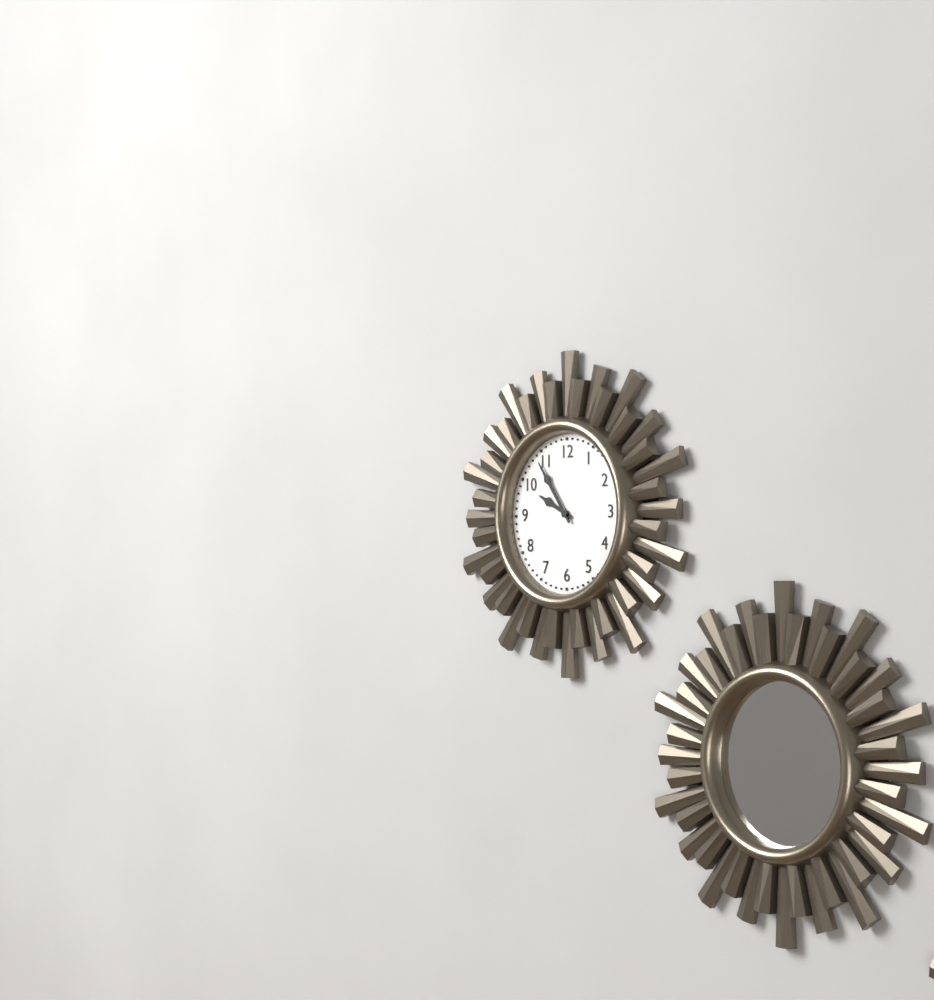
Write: 9:54
